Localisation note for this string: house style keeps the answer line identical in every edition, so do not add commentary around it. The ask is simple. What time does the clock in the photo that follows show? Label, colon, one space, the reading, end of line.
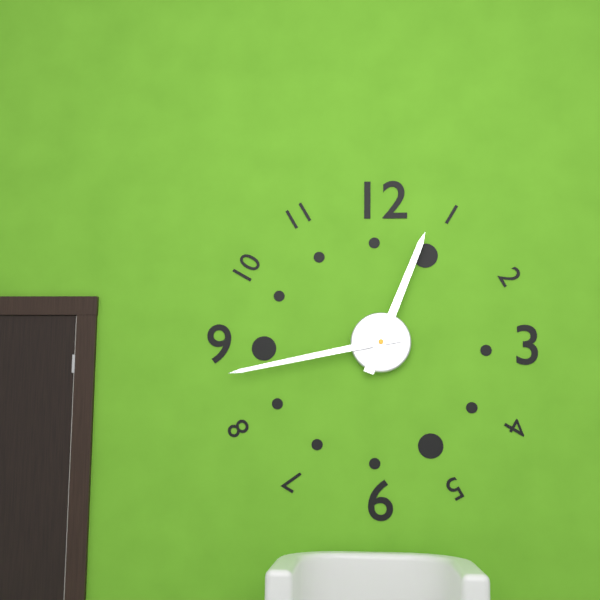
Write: 12:43
